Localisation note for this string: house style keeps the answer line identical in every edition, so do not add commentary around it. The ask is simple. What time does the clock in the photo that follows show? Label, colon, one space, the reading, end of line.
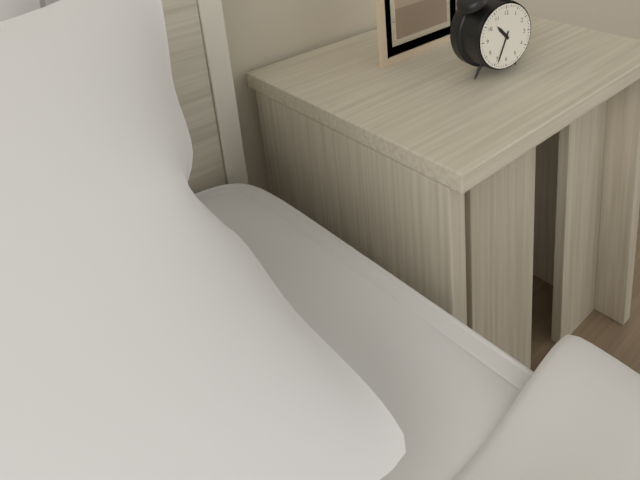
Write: 10:34
